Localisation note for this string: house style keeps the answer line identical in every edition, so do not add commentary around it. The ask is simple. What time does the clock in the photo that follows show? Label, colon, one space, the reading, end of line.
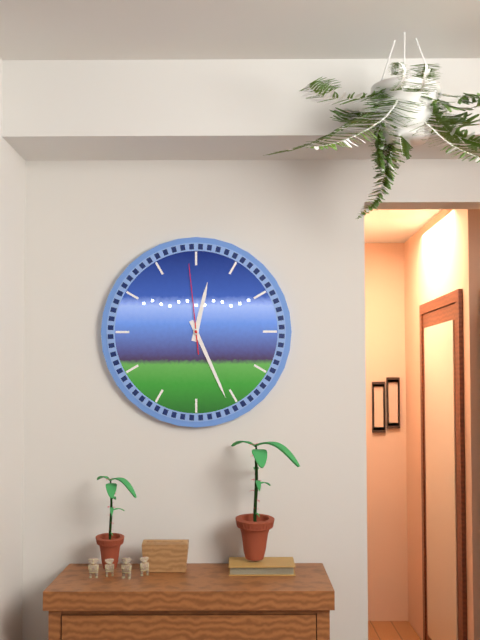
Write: 12:26:59
